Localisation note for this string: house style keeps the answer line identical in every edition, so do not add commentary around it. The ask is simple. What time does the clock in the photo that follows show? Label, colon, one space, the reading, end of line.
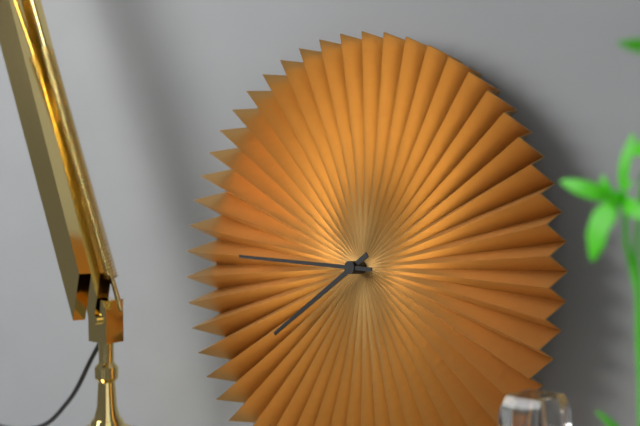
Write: 7:45
